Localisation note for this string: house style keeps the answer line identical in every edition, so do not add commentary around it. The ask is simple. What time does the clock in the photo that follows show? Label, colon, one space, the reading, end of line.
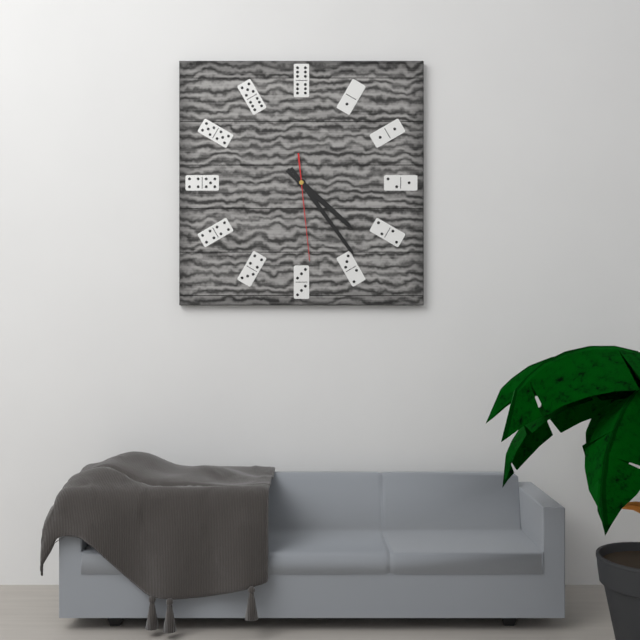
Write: 4:24:29
